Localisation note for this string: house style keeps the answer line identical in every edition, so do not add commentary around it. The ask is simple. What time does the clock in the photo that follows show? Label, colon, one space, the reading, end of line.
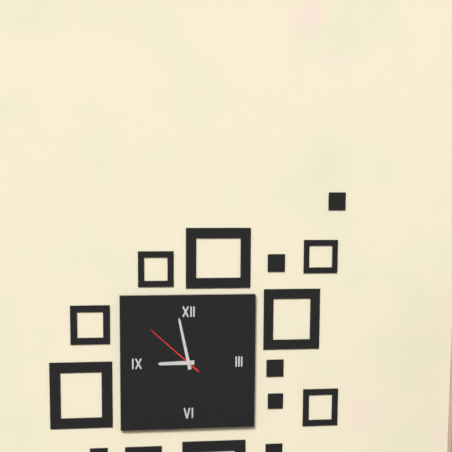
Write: 8:58:52
